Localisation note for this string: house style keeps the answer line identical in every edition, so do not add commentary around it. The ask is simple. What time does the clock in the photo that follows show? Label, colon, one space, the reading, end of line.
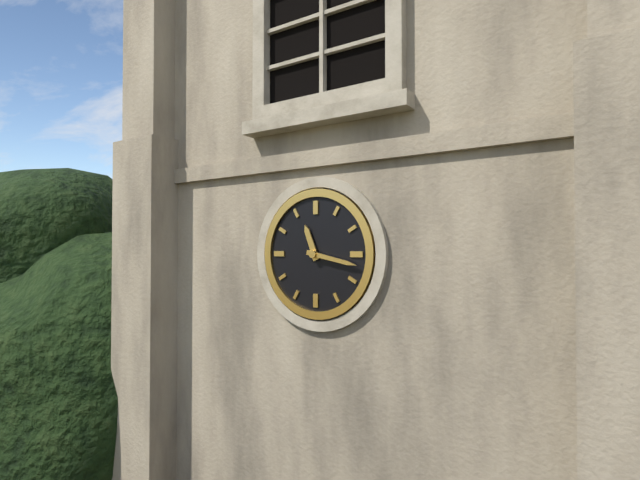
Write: 11:17
